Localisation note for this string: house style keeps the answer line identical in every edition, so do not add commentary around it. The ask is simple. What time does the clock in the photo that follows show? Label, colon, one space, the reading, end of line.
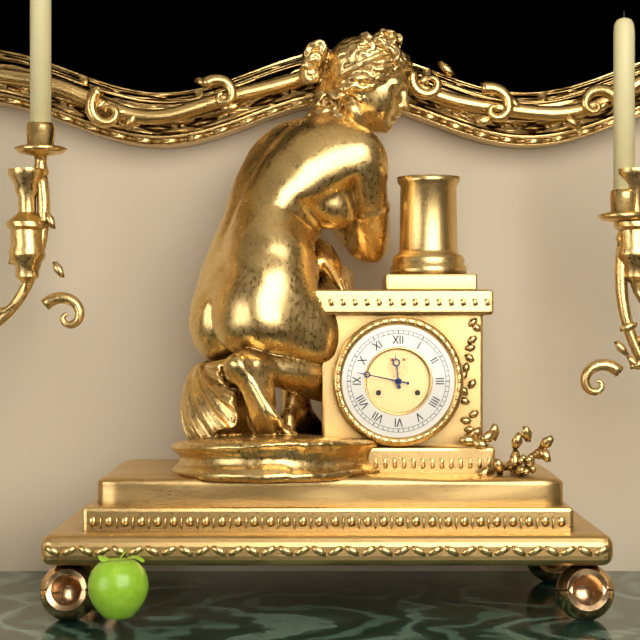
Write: 11:47
